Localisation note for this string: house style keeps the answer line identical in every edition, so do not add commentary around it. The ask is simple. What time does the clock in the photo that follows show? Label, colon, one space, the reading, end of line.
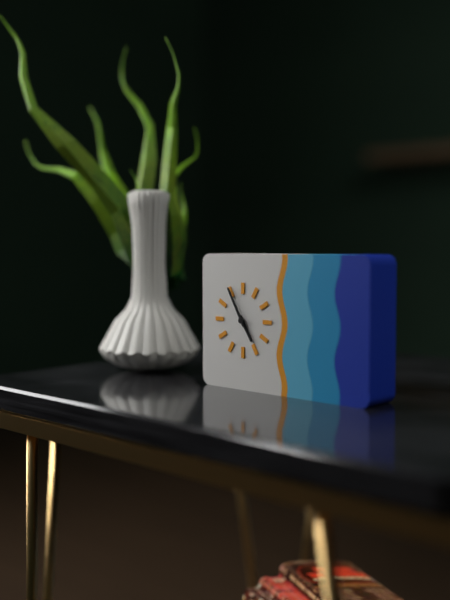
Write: 4:55
